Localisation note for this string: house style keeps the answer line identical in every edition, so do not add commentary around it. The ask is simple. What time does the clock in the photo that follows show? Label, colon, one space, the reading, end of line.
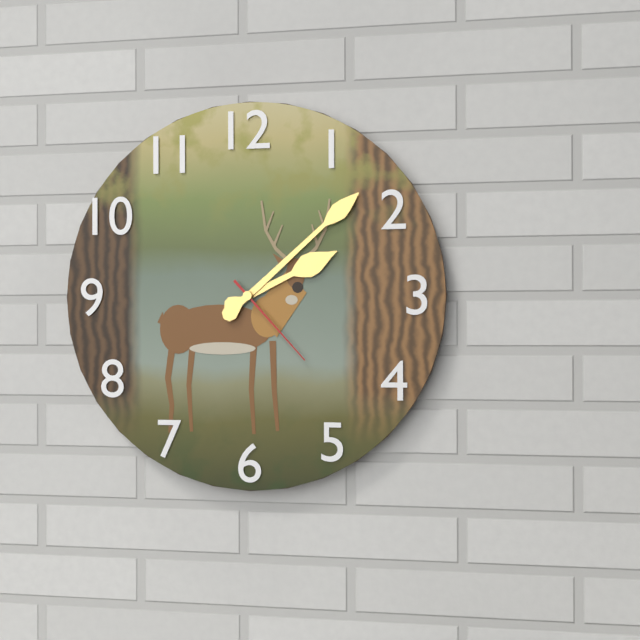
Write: 2:08:23
